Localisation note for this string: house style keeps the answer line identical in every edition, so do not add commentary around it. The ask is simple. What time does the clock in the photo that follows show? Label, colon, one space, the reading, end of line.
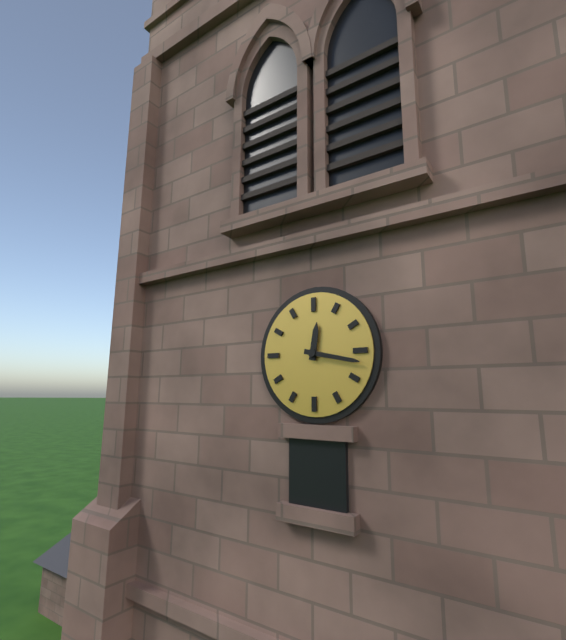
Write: 12:17
